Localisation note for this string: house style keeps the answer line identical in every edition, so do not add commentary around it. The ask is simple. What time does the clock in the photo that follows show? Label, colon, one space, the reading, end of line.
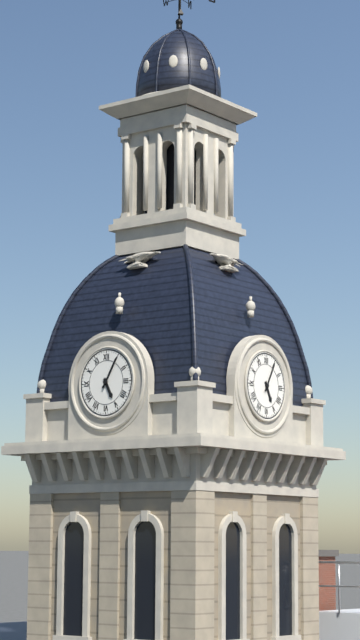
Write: 5:05
